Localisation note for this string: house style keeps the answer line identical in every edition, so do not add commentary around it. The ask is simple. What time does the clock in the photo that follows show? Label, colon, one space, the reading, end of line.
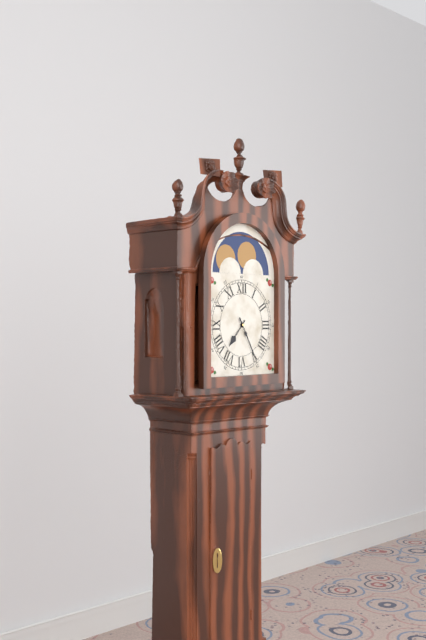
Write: 7:25
